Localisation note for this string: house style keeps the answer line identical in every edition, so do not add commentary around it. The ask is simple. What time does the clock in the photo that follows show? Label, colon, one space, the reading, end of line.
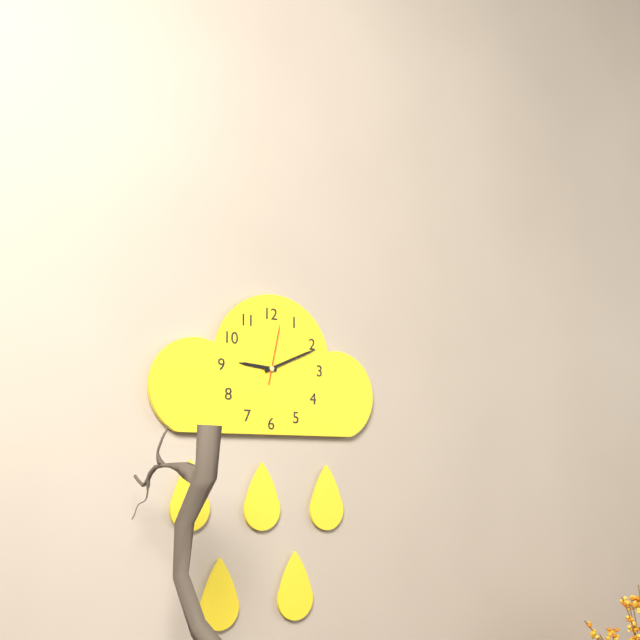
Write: 9:11:02
